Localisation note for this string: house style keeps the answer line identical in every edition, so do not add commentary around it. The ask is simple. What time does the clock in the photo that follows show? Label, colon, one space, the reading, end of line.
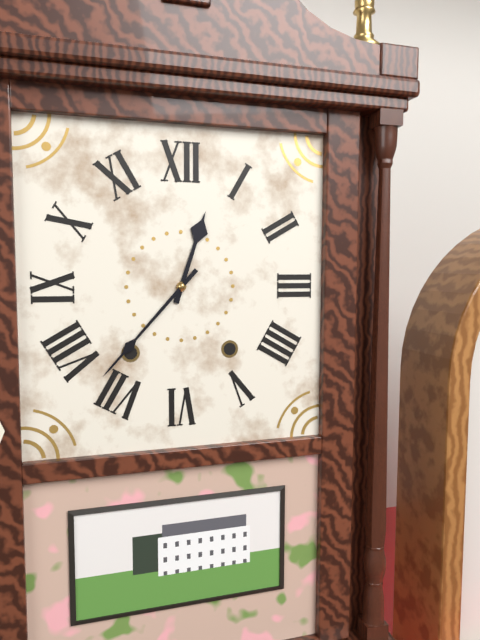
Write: 12:37
